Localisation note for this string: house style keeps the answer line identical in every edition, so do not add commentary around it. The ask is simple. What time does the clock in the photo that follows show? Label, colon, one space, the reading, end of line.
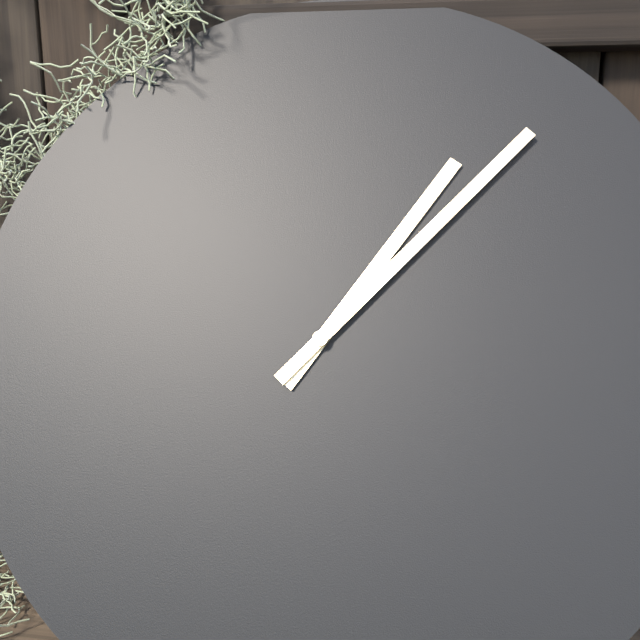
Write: 1:07
